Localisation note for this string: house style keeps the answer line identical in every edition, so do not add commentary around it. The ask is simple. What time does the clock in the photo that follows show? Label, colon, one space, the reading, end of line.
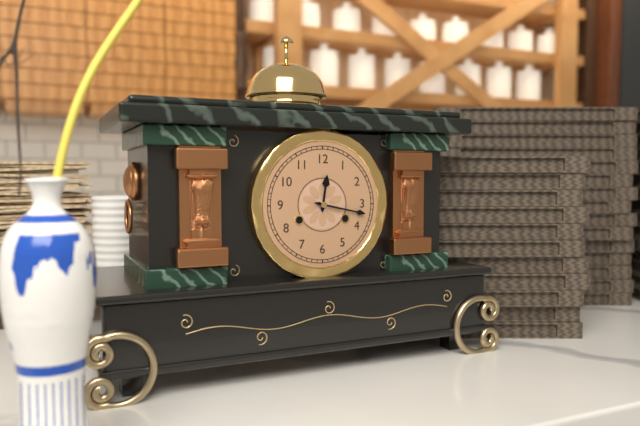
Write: 12:17
